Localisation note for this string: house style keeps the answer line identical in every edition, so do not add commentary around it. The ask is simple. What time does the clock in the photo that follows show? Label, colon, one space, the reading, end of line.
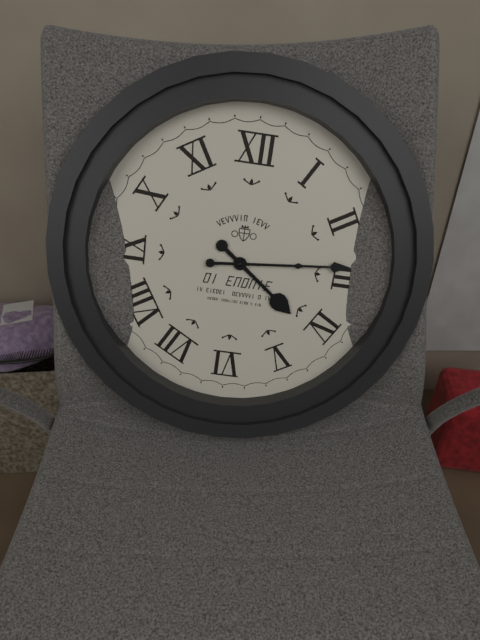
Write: 4:14
